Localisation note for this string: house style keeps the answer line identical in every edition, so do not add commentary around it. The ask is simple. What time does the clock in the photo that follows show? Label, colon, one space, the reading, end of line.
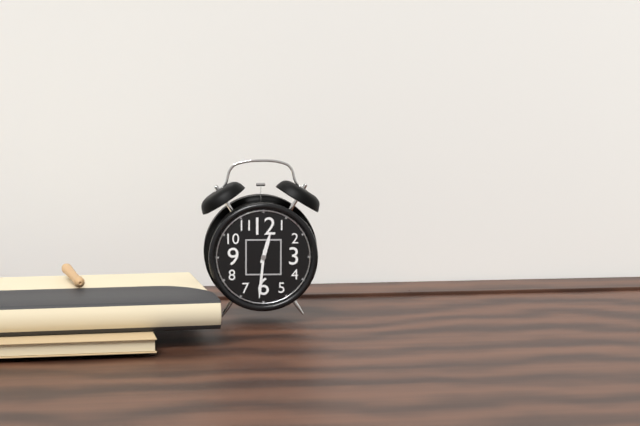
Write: 12:31
